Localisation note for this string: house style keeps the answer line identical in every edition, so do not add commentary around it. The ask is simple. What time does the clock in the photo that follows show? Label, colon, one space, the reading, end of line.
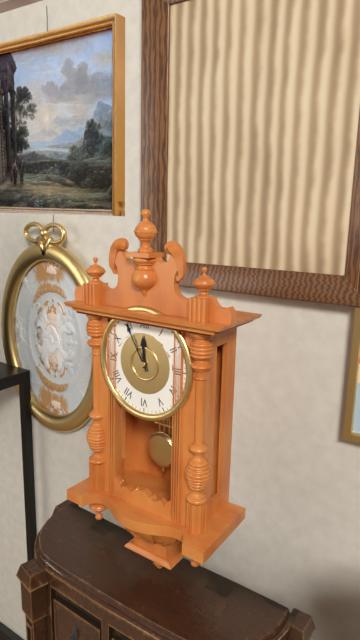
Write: 11:55
